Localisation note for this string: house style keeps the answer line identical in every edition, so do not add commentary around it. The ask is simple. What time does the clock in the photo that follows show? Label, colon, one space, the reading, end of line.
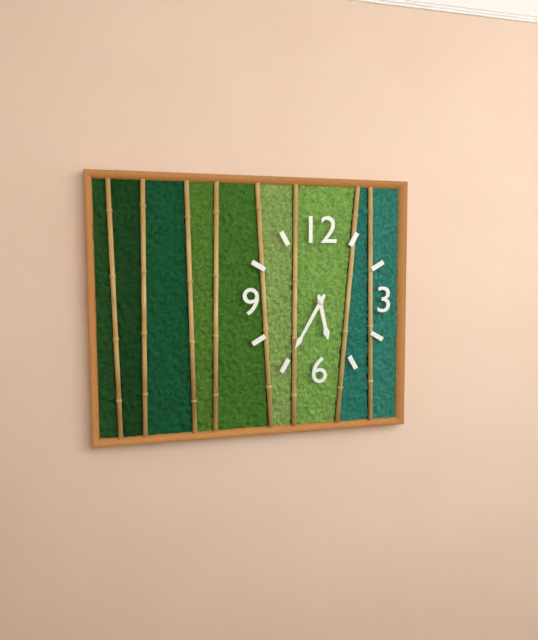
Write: 5:35
